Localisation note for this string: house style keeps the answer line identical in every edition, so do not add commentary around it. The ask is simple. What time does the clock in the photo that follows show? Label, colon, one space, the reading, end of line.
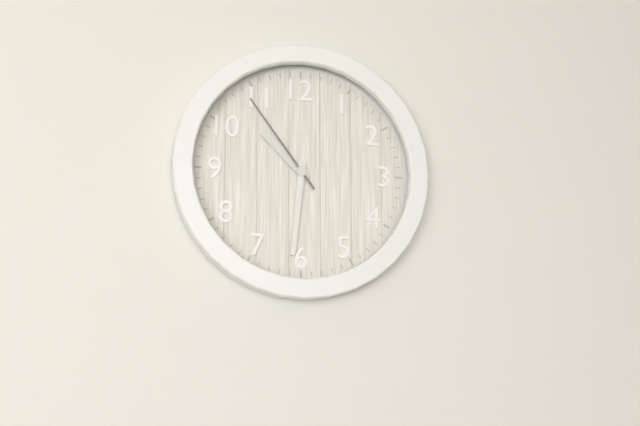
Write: 10:31:54
